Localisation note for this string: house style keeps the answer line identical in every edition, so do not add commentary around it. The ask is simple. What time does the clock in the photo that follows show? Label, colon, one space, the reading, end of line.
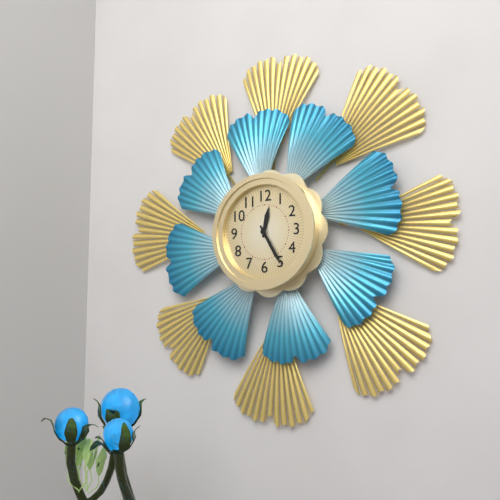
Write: 12:25
